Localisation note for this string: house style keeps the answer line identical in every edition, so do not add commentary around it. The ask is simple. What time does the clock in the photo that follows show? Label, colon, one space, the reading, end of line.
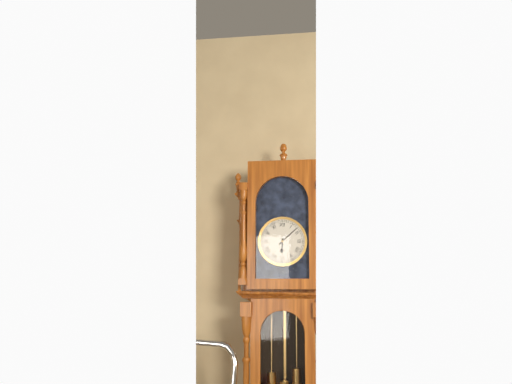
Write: 6:08
